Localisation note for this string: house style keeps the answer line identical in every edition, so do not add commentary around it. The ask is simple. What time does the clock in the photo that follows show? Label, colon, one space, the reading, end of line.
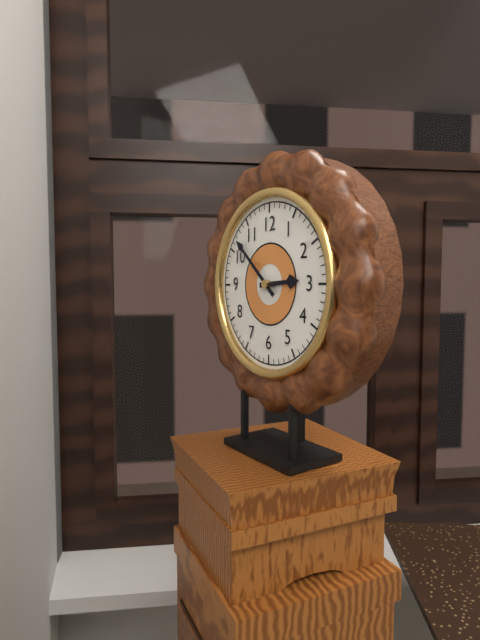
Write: 2:52
